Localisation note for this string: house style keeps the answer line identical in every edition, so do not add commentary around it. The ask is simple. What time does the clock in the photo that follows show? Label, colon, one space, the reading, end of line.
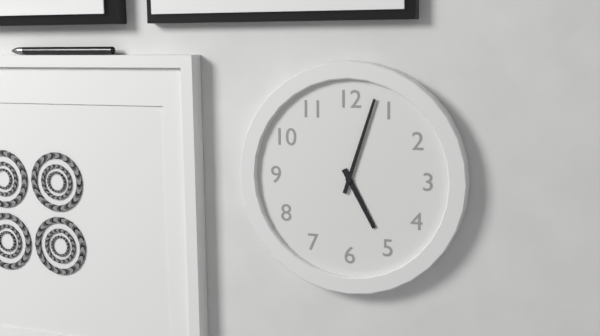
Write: 5:03
